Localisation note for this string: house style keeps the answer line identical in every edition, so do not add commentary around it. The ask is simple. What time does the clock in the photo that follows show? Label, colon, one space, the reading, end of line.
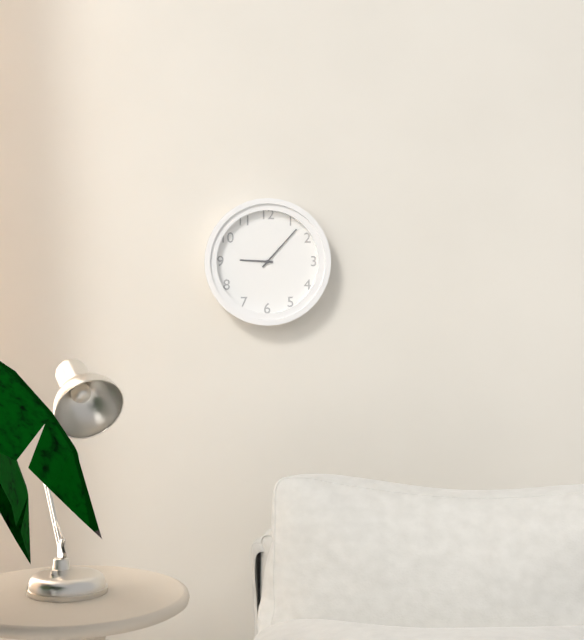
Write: 9:07
